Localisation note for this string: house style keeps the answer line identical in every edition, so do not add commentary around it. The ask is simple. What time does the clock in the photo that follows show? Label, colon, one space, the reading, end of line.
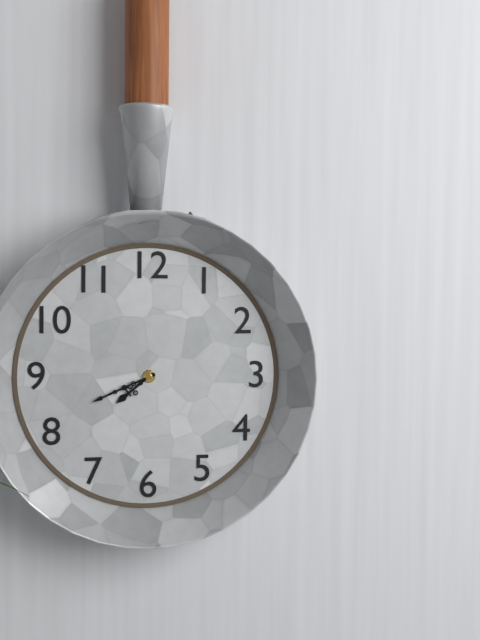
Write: 7:41
